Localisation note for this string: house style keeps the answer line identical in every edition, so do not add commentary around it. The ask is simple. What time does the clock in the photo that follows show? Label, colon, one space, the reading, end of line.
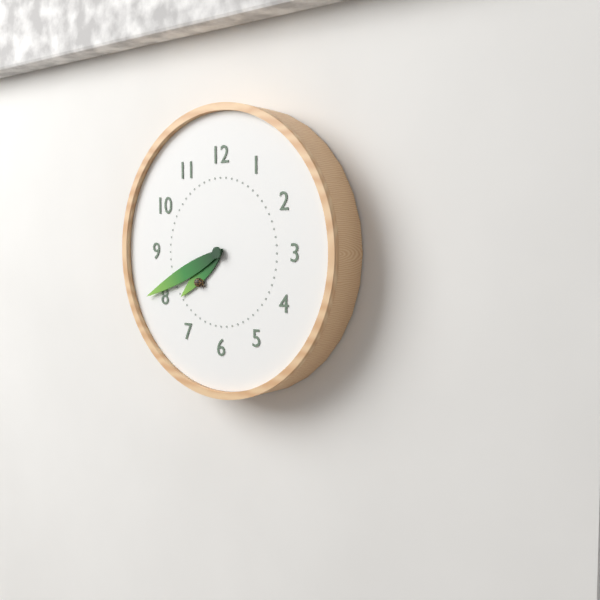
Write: 7:41
